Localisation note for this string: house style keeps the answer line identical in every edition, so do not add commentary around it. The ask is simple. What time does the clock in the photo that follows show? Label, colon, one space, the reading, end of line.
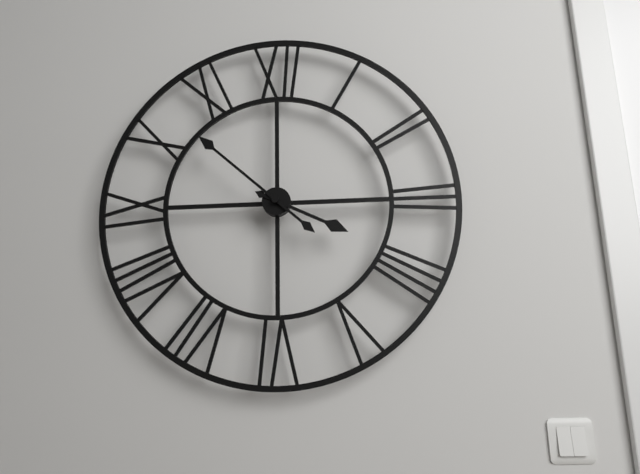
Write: 3:52
